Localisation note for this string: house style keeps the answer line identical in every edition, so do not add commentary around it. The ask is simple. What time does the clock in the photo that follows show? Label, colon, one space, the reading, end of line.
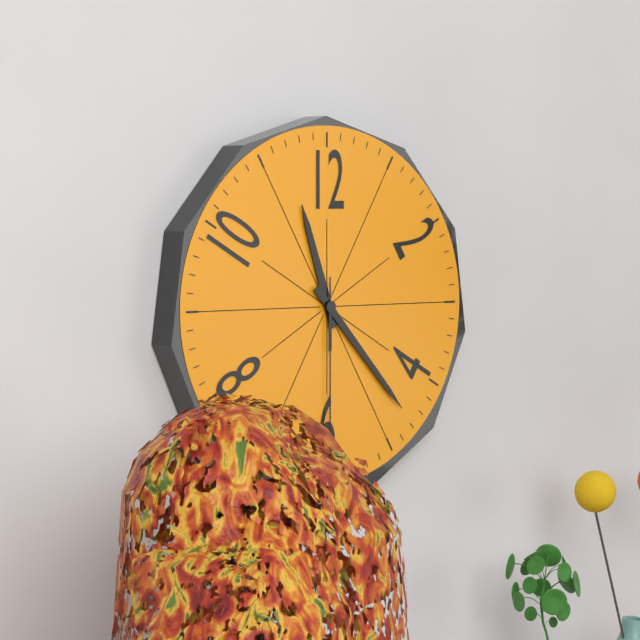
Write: 11:23:30
